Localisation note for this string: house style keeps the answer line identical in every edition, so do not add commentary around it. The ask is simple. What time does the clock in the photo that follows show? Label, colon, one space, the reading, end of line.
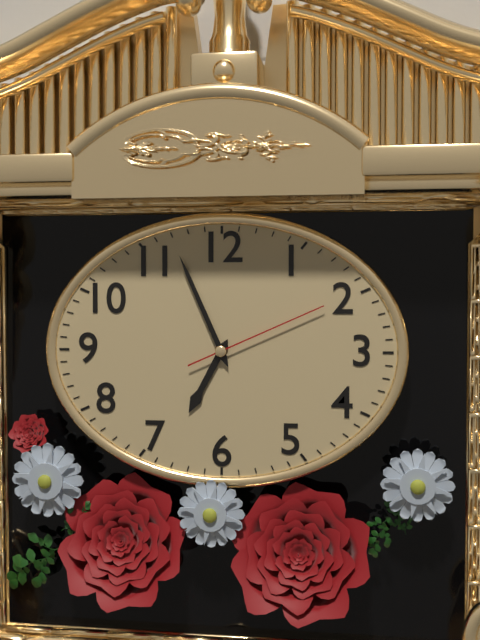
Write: 6:56:11
